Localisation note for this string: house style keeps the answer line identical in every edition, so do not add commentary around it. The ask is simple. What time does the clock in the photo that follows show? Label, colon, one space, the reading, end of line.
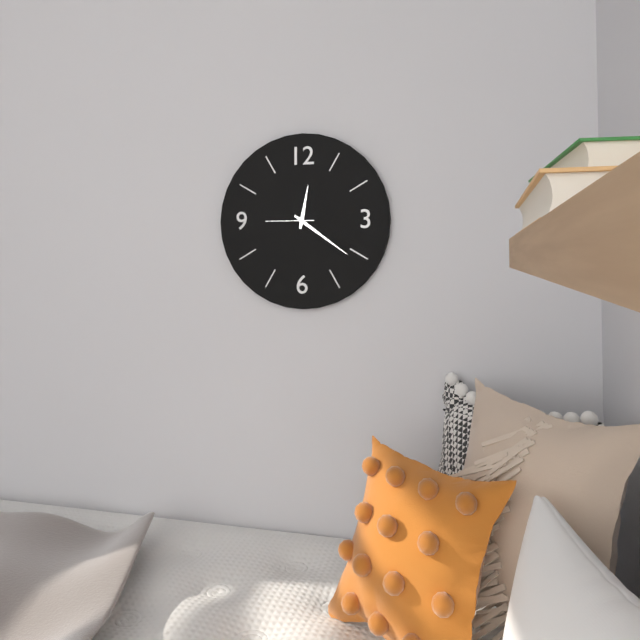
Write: 12:21
